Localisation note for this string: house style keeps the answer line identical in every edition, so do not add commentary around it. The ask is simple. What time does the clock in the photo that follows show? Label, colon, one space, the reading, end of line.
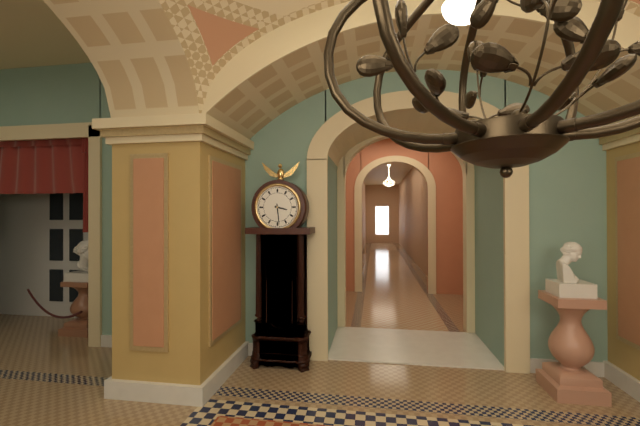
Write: 3:29
